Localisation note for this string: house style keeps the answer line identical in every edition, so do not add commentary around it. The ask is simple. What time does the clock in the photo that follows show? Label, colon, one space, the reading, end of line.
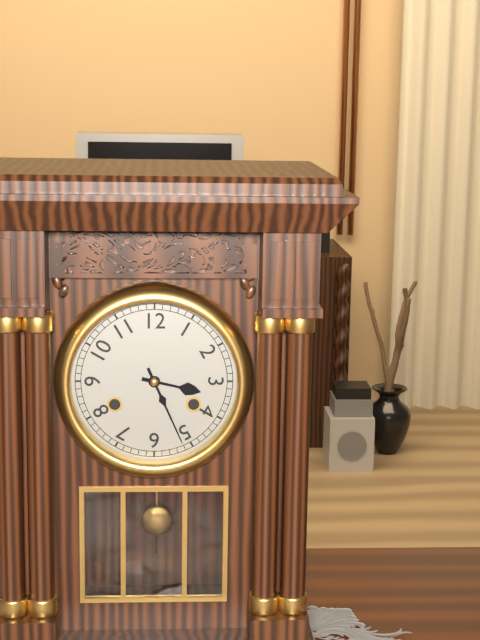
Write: 3:26
